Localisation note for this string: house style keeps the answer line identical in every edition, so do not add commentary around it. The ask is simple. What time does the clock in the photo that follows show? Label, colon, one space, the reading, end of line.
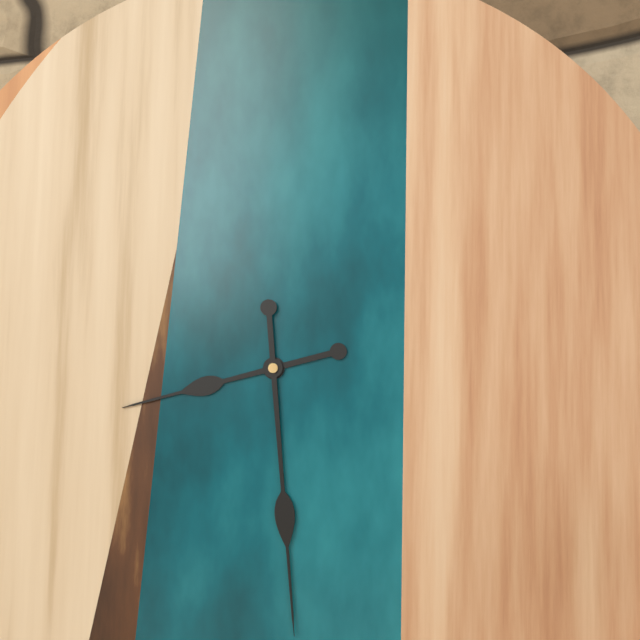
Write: 8:29
